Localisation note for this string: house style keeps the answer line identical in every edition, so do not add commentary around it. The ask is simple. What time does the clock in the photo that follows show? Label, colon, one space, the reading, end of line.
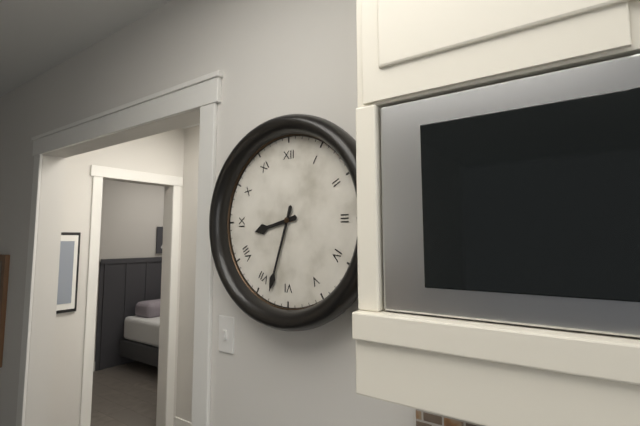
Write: 8:33
